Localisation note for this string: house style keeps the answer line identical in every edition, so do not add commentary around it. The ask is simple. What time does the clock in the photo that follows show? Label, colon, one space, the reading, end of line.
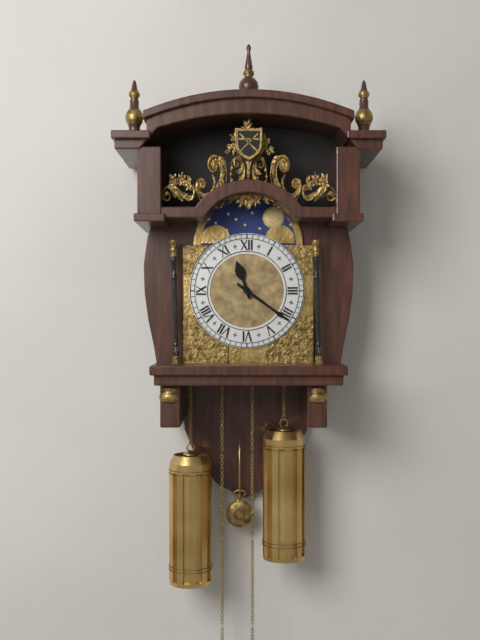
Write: 11:21
